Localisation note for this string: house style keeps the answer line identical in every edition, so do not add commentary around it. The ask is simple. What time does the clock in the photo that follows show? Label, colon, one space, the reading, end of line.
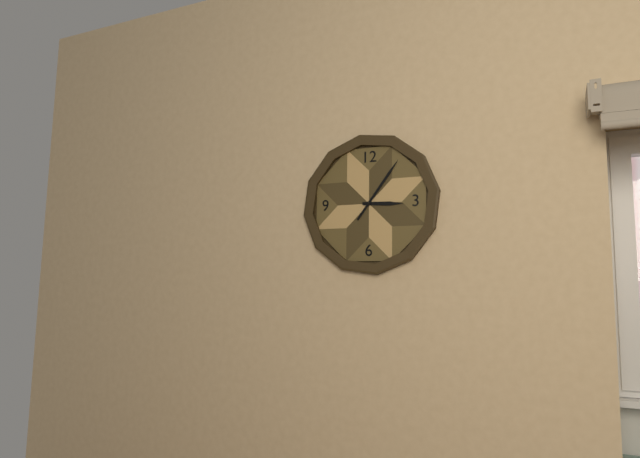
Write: 3:06
